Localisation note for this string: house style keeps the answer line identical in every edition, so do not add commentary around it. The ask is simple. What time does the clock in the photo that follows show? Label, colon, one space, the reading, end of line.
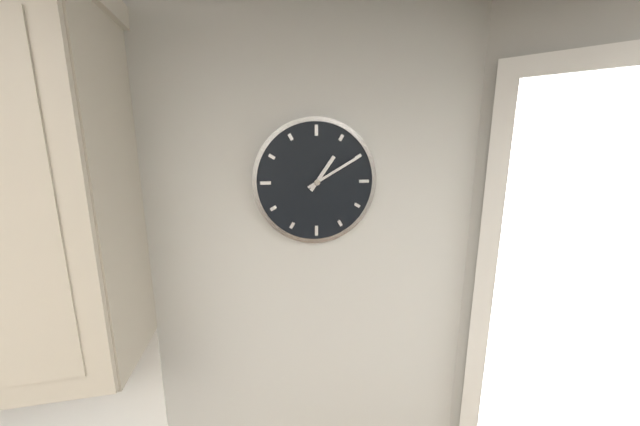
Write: 1:10
